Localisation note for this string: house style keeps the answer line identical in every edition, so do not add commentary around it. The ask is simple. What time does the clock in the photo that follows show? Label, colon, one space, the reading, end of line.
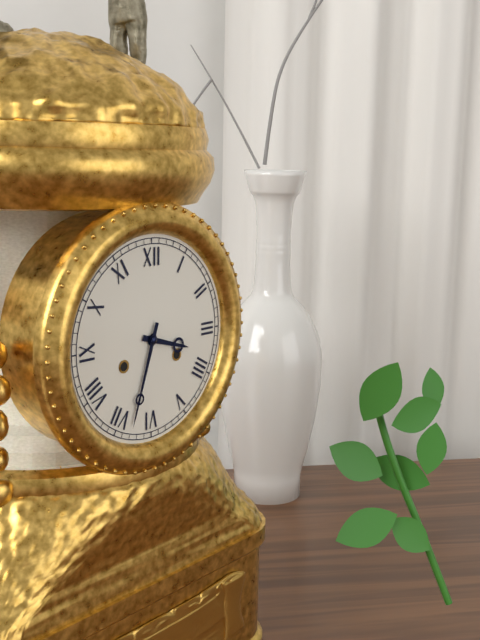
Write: 3:33
